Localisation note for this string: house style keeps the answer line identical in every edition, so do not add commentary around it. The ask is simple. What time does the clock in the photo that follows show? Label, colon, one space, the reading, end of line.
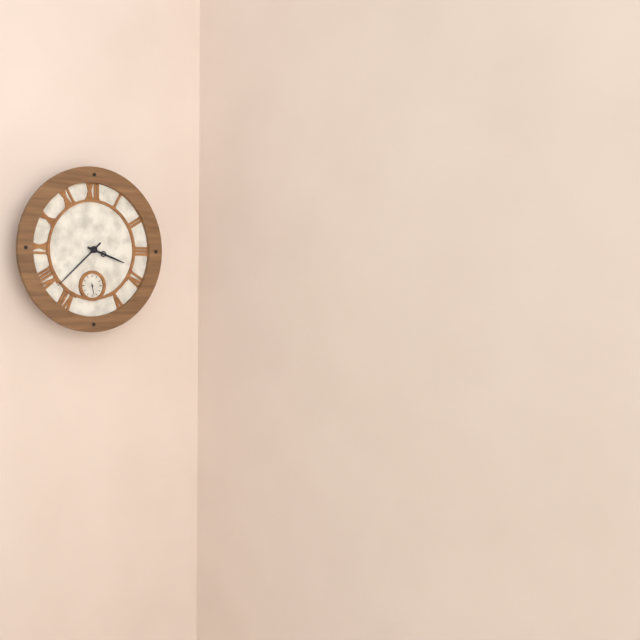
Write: 3:38
